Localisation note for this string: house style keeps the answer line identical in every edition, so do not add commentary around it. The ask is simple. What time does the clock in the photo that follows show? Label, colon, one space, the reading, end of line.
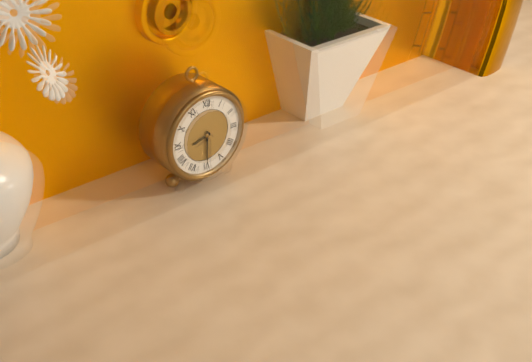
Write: 8:30
